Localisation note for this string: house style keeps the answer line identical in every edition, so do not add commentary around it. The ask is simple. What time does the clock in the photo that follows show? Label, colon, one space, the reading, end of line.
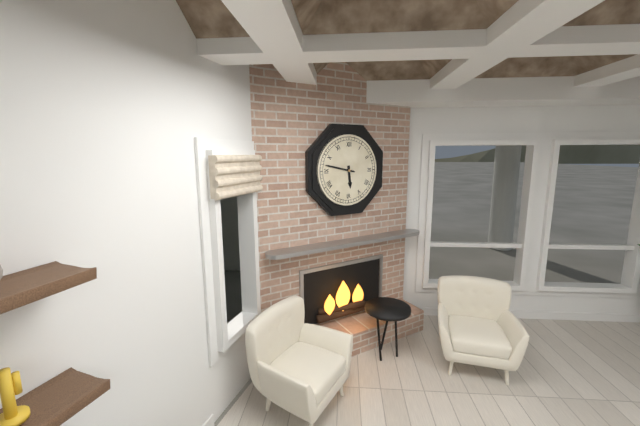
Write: 5:47
